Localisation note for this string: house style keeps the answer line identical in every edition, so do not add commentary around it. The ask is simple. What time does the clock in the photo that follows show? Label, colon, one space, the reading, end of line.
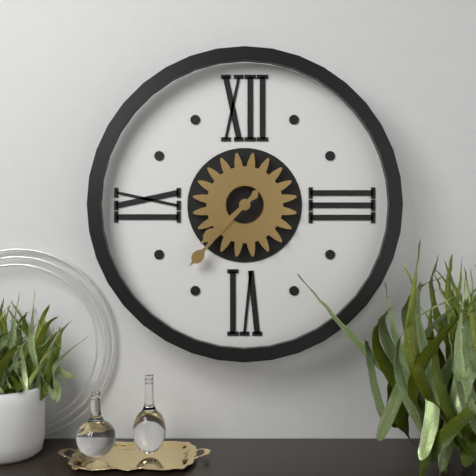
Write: 7:37
